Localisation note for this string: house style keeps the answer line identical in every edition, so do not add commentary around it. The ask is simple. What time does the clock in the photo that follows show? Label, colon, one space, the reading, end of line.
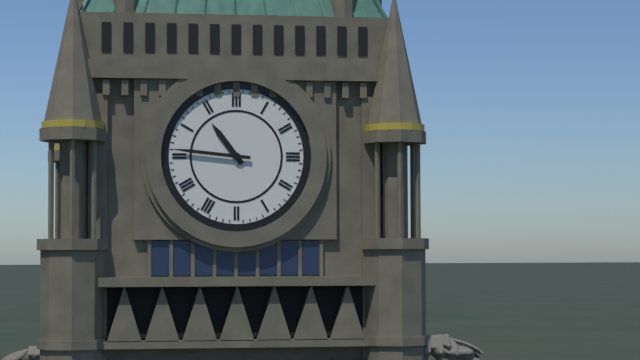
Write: 10:46
